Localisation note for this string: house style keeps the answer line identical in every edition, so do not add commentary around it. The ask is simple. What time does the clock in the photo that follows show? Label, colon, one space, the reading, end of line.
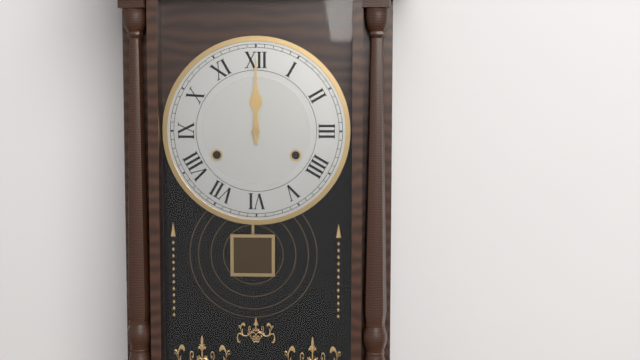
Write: 12:00
